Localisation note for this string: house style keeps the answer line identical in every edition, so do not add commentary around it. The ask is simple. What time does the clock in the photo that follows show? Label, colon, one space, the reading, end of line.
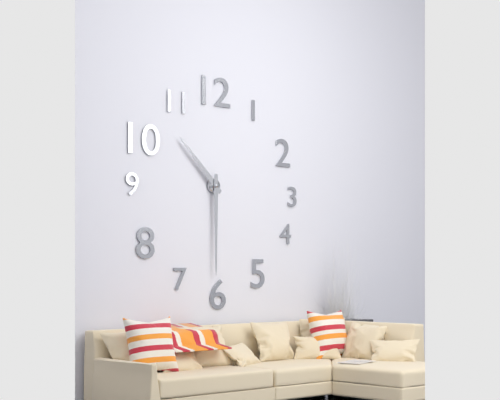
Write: 10:30
